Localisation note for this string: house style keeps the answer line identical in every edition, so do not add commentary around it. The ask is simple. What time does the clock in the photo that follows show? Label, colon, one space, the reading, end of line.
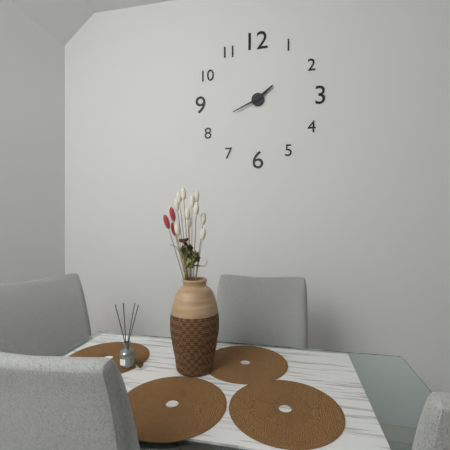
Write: 1:41
